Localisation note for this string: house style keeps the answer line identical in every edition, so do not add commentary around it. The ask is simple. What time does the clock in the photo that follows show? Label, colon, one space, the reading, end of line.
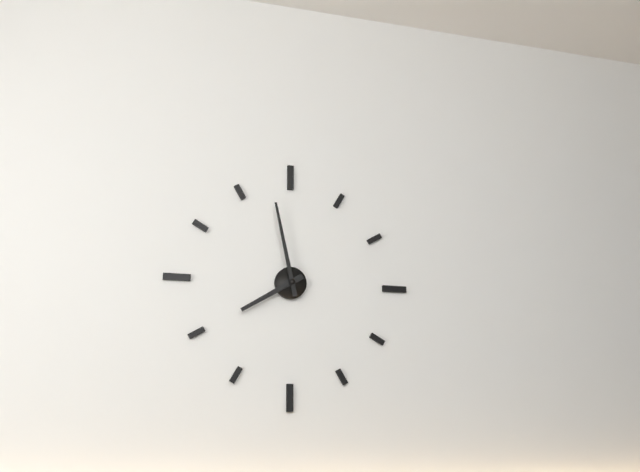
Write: 7:58
